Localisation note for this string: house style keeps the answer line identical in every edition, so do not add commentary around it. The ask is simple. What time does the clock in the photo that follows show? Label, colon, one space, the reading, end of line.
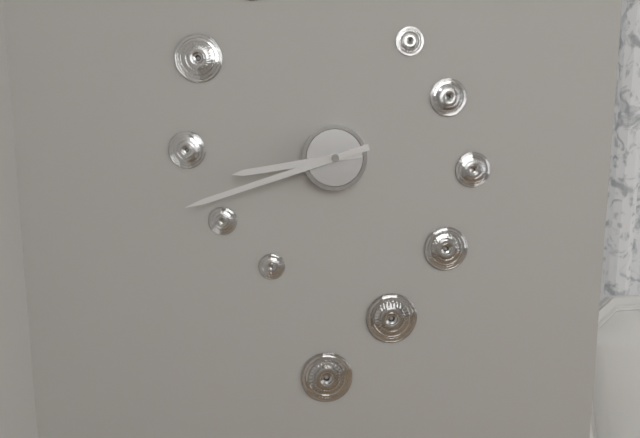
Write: 8:42
